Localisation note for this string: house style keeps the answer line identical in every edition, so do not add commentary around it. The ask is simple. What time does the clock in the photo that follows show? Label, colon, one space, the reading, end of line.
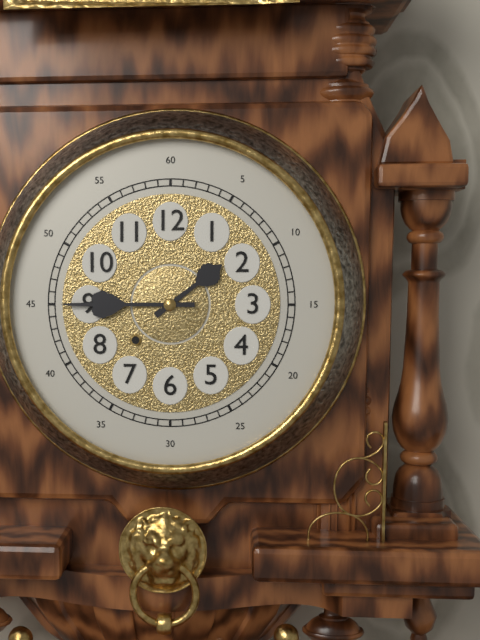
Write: 1:45
